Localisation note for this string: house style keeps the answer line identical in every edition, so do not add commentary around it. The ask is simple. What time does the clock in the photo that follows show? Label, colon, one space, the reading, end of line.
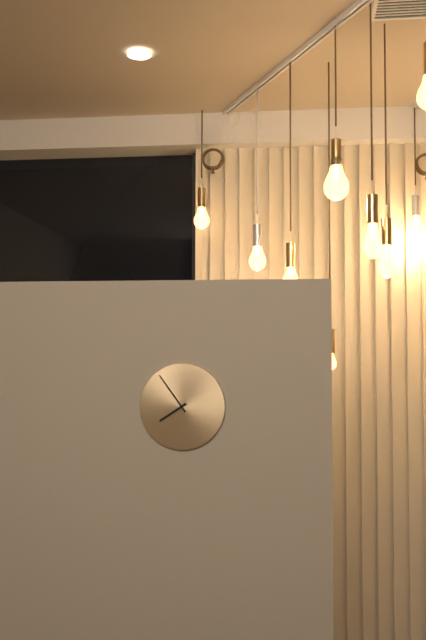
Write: 7:54
